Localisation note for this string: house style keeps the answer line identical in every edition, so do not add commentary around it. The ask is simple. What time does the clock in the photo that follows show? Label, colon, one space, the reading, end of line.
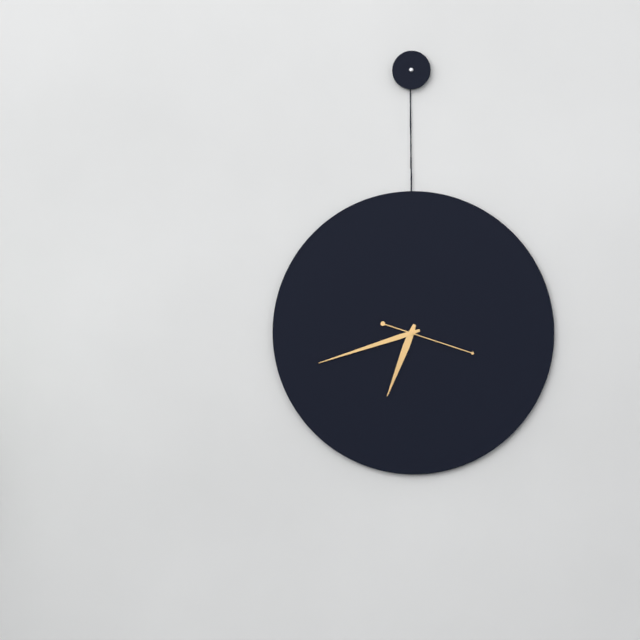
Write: 6:42:18
